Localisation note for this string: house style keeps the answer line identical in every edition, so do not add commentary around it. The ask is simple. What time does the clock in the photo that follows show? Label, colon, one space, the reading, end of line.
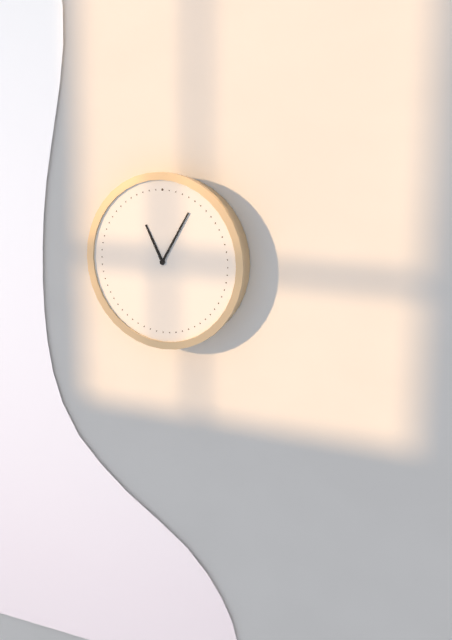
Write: 11:05
